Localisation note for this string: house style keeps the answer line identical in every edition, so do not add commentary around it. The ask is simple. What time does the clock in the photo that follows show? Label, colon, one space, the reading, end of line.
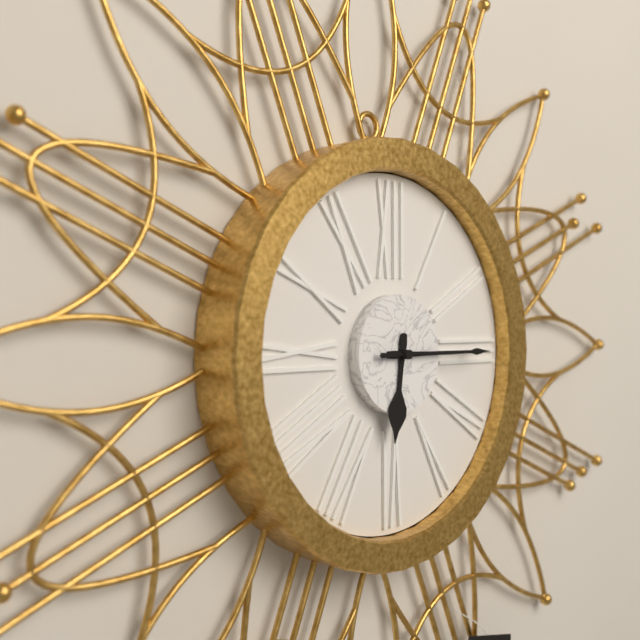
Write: 6:15:15
